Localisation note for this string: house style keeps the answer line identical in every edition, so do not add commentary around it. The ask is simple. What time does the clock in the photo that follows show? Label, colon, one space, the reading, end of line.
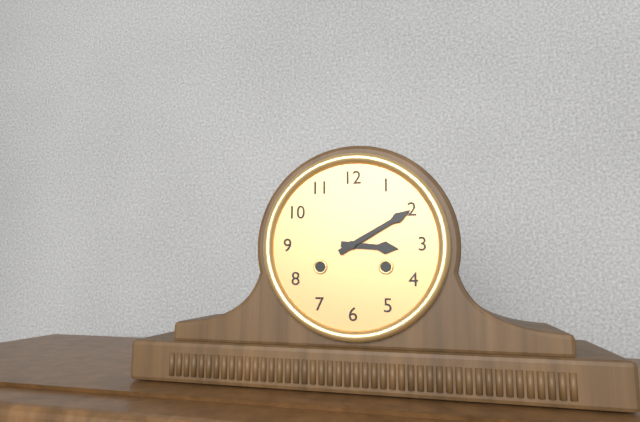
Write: 3:10
